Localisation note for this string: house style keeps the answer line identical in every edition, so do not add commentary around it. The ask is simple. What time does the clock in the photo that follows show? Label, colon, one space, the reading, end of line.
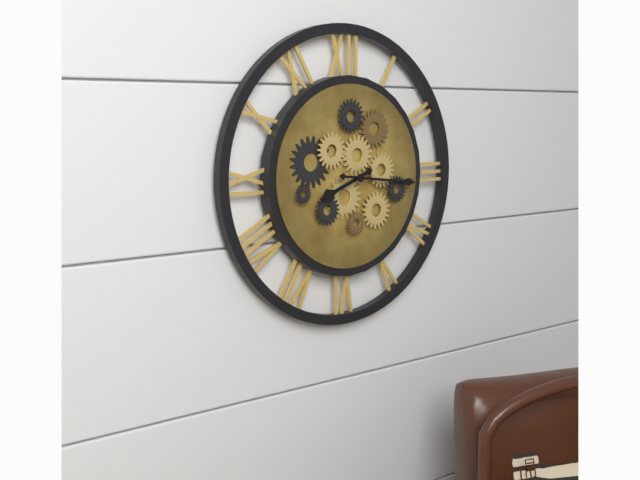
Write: 8:16
